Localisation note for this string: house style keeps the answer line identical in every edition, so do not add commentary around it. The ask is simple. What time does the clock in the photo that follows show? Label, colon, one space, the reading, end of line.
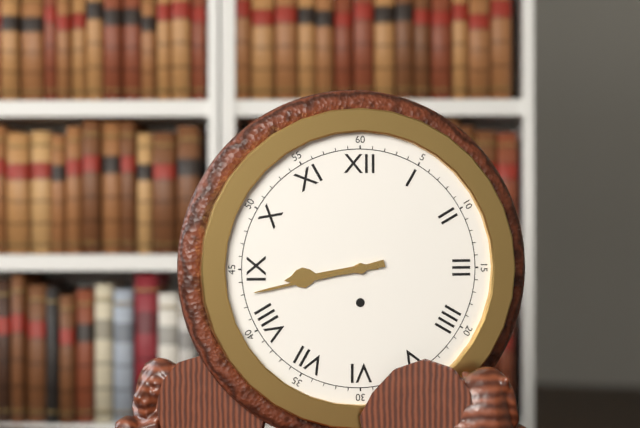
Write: 8:43
